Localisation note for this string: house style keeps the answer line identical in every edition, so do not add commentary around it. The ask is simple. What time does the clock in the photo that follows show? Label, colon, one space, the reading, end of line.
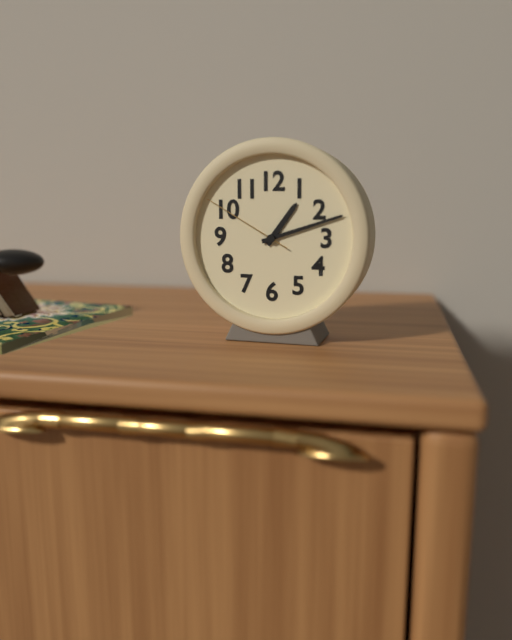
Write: 1:12:50
